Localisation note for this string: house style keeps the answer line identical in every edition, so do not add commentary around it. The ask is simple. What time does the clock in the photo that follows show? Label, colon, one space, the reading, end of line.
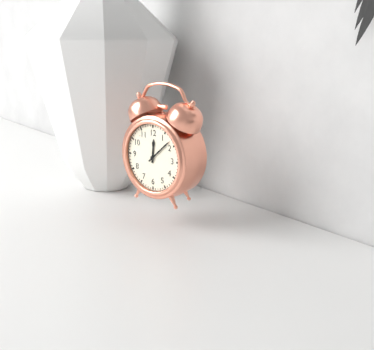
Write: 12:08
